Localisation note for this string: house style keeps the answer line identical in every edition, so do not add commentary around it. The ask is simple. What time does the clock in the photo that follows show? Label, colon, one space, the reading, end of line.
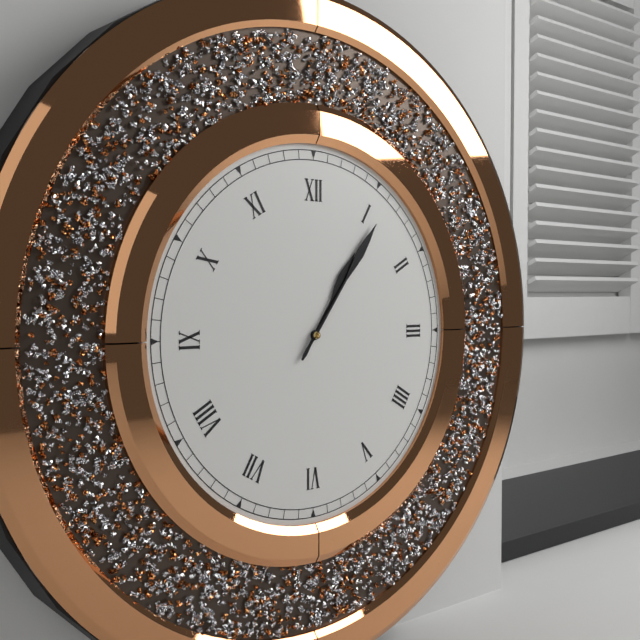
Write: 1:06
